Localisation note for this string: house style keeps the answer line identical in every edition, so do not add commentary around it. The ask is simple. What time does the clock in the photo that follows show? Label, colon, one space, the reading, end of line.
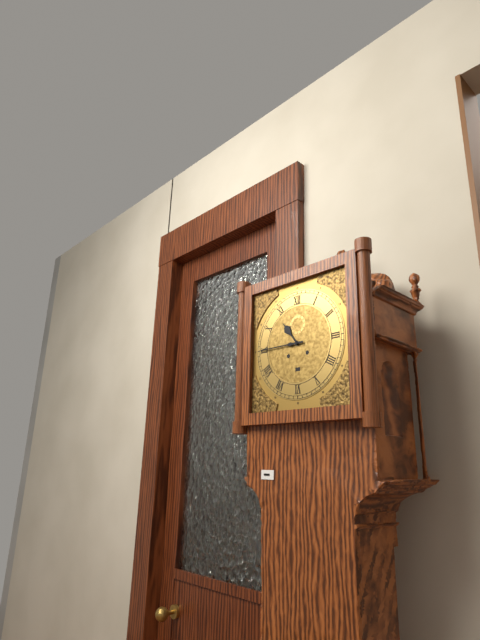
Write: 10:45
